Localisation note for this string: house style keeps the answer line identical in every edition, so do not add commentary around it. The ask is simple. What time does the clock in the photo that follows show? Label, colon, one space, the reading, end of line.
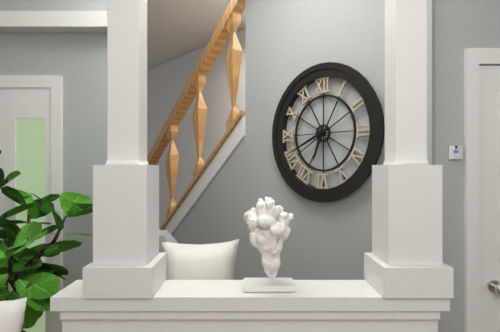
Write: 6:41
